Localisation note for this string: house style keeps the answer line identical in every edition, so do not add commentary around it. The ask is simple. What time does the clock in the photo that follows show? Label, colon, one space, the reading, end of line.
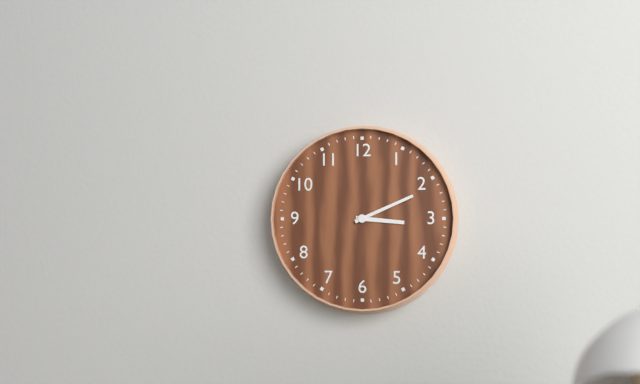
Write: 3:11
